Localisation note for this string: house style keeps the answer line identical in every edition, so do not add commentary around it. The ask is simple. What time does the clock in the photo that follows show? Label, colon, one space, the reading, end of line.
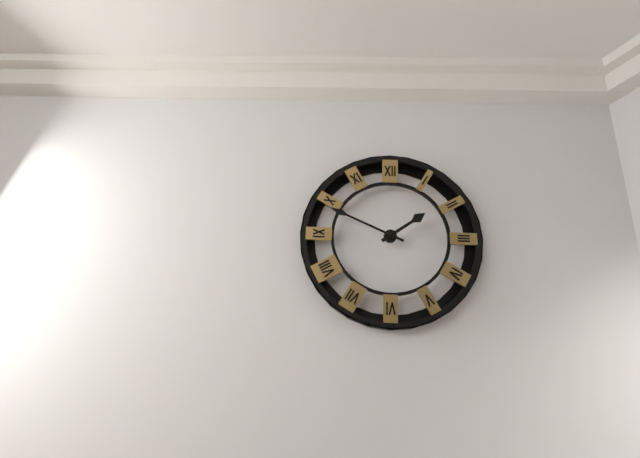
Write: 1:49
